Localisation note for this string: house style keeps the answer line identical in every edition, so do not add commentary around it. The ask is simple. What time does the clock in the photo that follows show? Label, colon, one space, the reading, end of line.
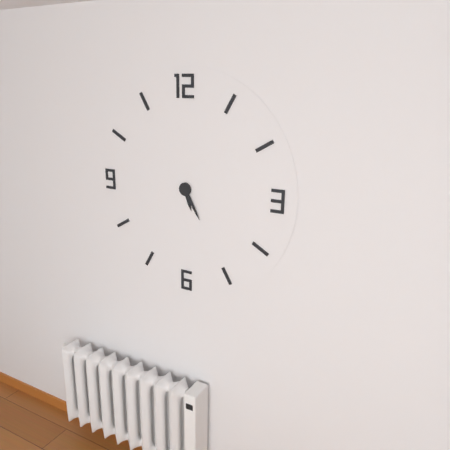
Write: 5:25
